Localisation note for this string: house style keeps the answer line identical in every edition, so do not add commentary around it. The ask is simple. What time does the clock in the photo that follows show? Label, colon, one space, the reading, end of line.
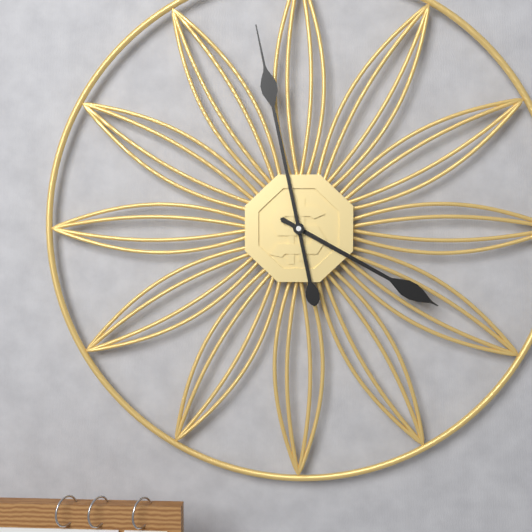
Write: 3:58
